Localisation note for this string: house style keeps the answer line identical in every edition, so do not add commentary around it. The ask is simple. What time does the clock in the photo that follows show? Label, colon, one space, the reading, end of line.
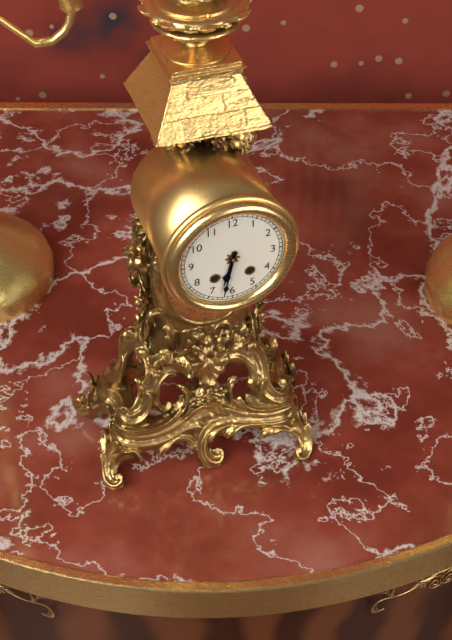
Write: 6:32
